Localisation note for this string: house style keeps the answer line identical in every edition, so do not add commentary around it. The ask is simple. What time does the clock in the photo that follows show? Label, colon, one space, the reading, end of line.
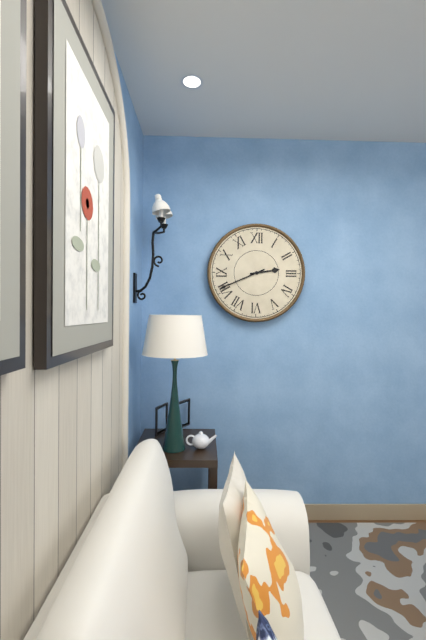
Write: 2:41
